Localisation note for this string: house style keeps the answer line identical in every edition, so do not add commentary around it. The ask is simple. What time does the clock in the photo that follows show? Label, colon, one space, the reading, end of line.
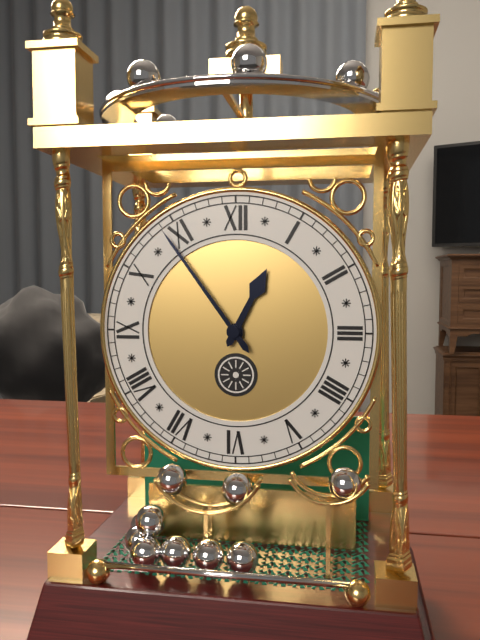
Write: 12:54
